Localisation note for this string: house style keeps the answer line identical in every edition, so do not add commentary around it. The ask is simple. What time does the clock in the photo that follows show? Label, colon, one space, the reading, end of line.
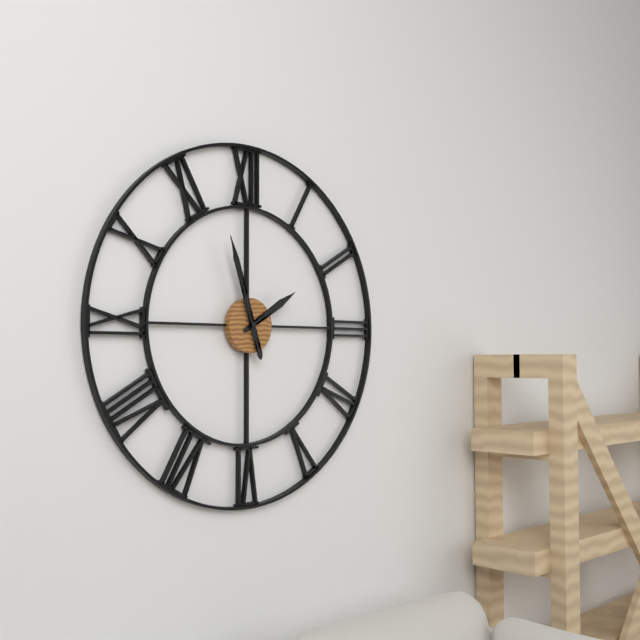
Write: 1:57
